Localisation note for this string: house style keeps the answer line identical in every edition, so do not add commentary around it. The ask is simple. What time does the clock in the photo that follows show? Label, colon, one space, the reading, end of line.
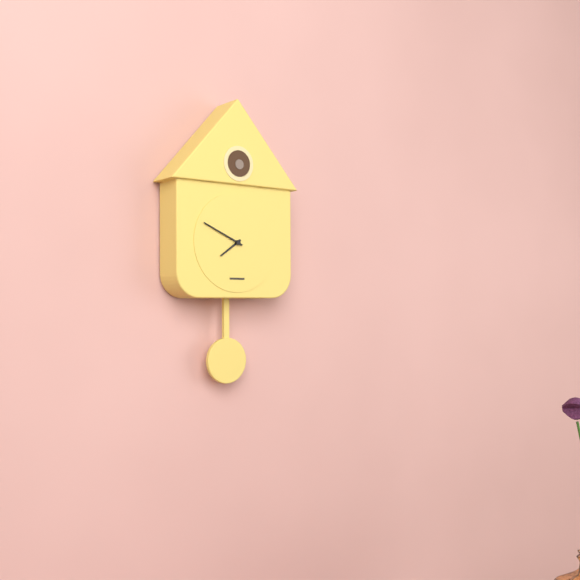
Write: 7:49
